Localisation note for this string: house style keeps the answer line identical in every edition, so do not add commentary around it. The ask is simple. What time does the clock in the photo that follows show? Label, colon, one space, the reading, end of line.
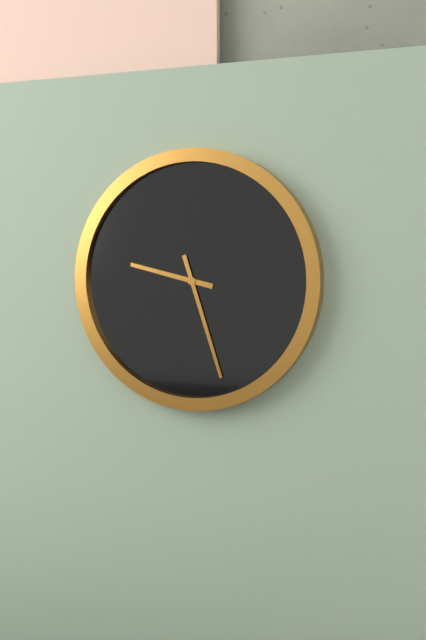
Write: 9:27
